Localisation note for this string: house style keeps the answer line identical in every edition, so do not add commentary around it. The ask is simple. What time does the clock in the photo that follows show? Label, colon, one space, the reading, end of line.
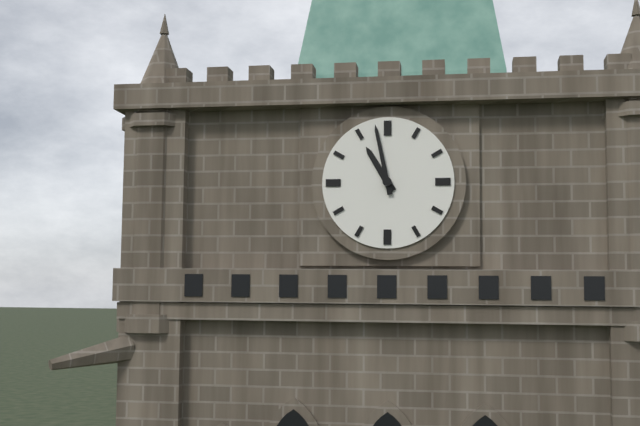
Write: 10:58
